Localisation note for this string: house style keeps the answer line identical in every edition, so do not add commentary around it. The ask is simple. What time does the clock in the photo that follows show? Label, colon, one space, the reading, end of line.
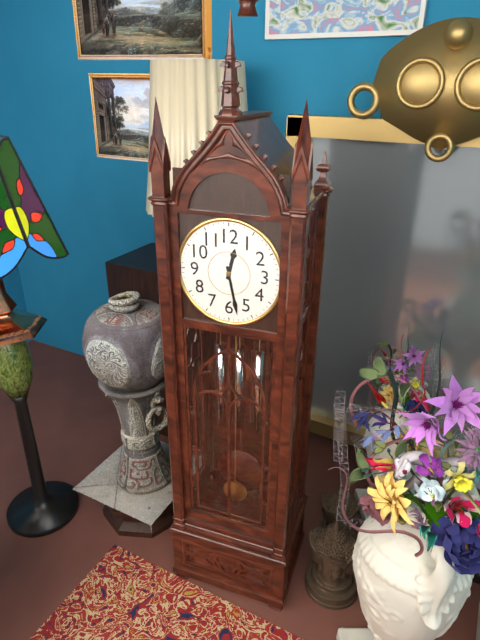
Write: 12:28
